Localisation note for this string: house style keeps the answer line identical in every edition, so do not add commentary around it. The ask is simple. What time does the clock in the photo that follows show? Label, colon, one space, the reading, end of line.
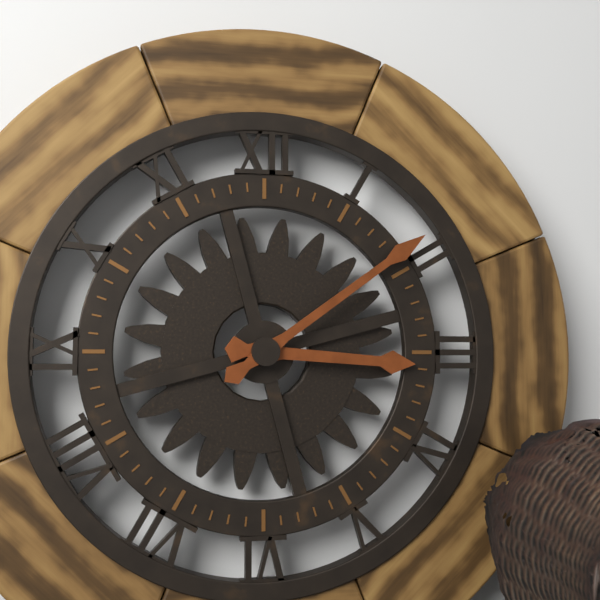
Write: 3:09
